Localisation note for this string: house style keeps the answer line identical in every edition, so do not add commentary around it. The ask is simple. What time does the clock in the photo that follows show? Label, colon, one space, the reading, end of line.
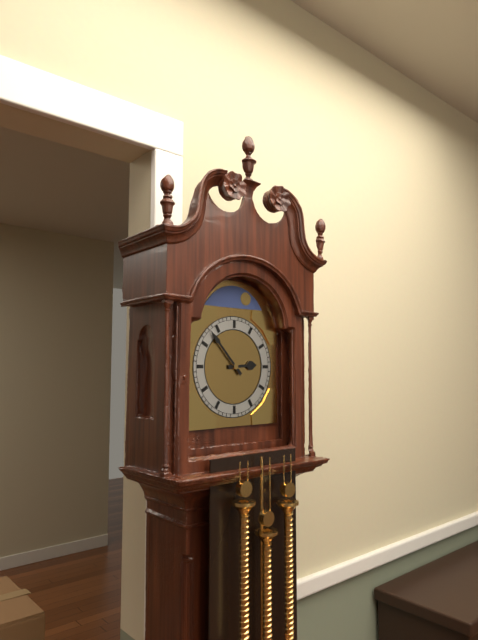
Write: 2:53
